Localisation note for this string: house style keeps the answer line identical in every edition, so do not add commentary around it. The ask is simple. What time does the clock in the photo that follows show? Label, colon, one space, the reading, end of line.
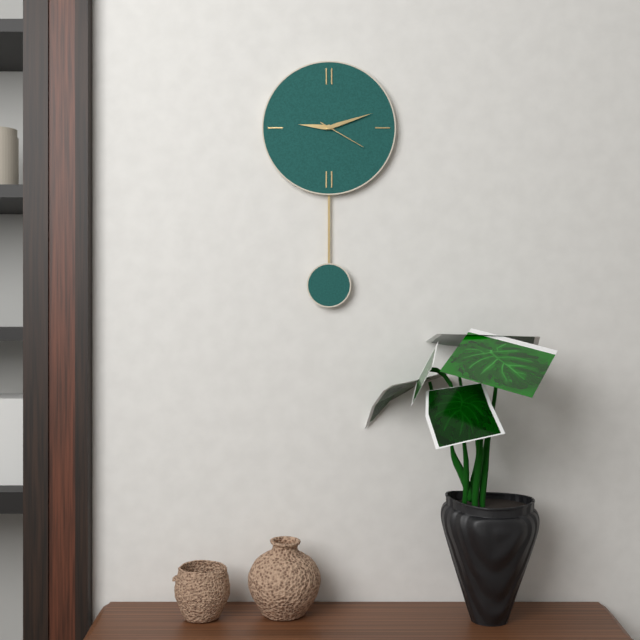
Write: 9:12
